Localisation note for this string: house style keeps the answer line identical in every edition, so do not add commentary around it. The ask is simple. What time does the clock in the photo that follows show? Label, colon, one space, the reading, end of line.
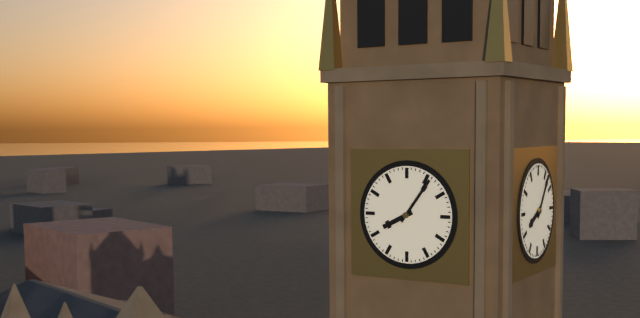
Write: 8:06
